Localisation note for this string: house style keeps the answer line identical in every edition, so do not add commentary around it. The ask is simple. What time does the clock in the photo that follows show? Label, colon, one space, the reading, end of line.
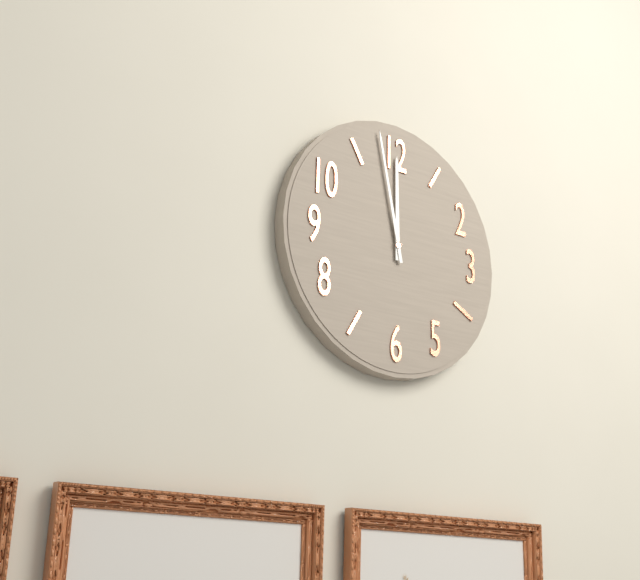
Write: 11:58
